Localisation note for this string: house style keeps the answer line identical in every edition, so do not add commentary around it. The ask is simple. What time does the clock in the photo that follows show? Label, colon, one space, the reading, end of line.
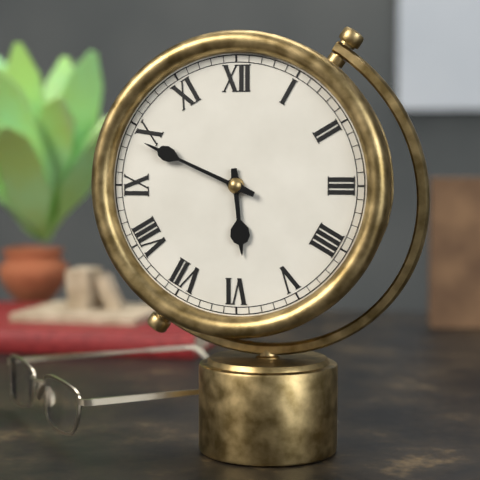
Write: 5:49
